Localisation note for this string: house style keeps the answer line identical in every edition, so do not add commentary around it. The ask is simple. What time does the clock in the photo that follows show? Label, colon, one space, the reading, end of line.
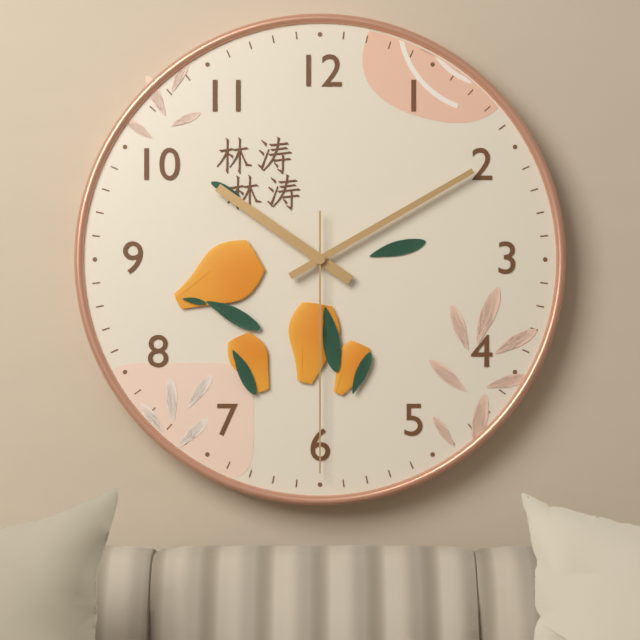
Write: 10:10:30
